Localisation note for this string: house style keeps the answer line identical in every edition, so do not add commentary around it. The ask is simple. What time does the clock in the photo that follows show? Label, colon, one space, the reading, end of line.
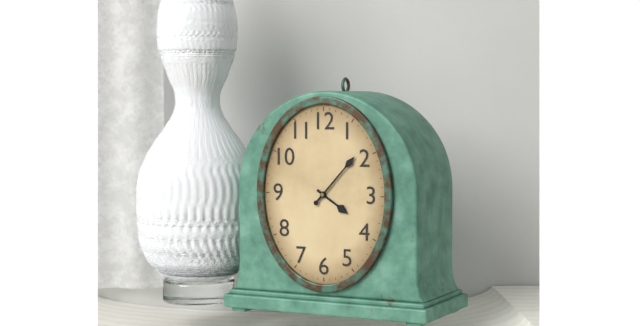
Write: 4:07
